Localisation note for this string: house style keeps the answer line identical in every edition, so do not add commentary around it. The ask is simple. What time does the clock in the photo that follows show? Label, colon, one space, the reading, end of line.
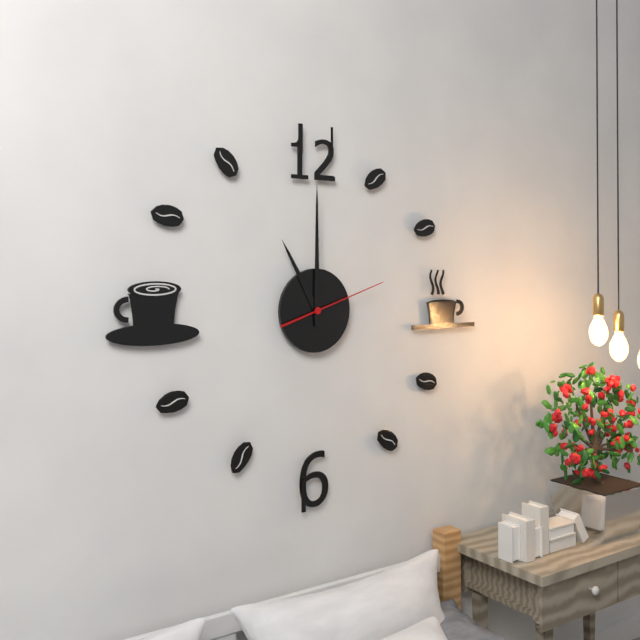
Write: 11:00:12
